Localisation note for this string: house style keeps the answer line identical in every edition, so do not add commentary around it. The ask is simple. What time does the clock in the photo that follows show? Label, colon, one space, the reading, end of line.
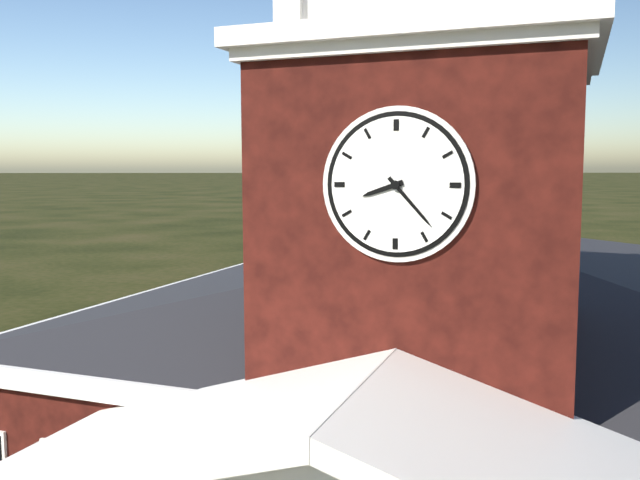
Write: 8:23
